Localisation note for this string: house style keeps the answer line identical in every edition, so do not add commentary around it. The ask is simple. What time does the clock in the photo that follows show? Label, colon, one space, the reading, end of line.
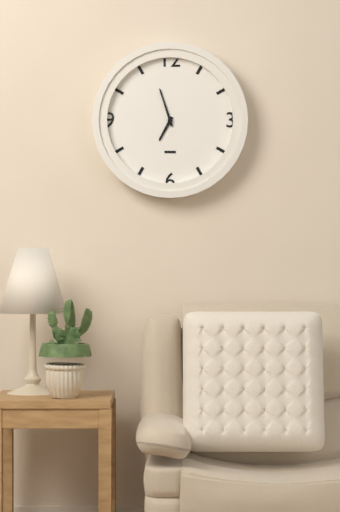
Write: 6:57
